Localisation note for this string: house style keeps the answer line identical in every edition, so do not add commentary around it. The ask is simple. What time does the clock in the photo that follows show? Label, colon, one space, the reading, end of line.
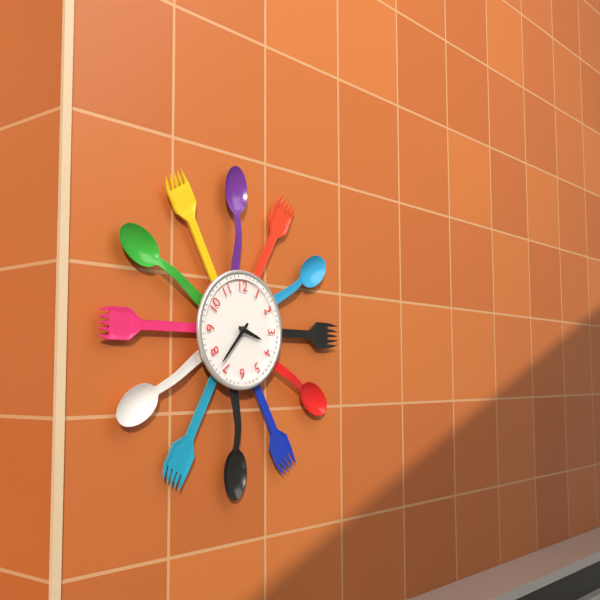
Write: 3:37
